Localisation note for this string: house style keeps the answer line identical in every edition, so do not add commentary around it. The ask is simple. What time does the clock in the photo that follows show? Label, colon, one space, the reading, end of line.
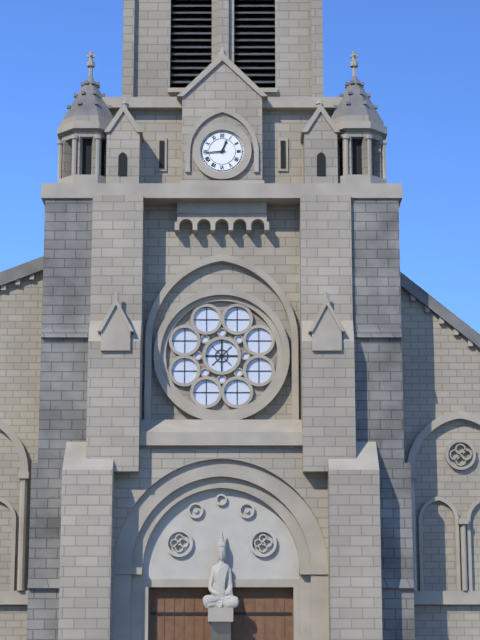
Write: 12:44
